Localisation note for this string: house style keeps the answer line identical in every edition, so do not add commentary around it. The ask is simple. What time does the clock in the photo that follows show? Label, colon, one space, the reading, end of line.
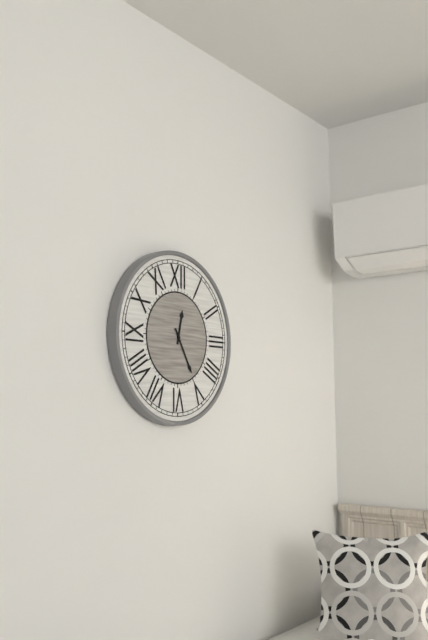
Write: 12:25
